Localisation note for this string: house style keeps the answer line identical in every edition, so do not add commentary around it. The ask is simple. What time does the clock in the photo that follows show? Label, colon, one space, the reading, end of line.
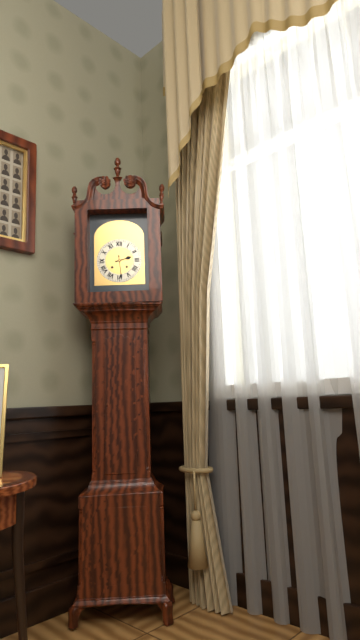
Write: 2:29
